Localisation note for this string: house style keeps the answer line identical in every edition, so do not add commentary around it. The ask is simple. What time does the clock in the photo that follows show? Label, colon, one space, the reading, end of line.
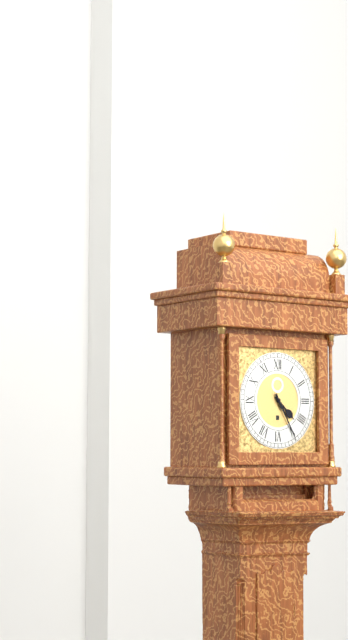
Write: 4:25
